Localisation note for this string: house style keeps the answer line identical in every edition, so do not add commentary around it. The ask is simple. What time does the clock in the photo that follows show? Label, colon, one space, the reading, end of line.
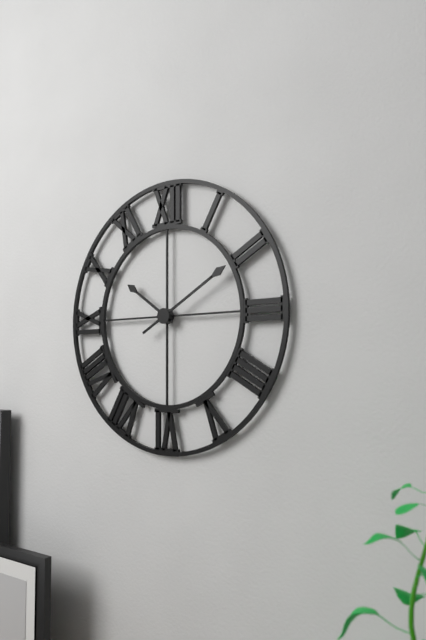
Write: 10:10
